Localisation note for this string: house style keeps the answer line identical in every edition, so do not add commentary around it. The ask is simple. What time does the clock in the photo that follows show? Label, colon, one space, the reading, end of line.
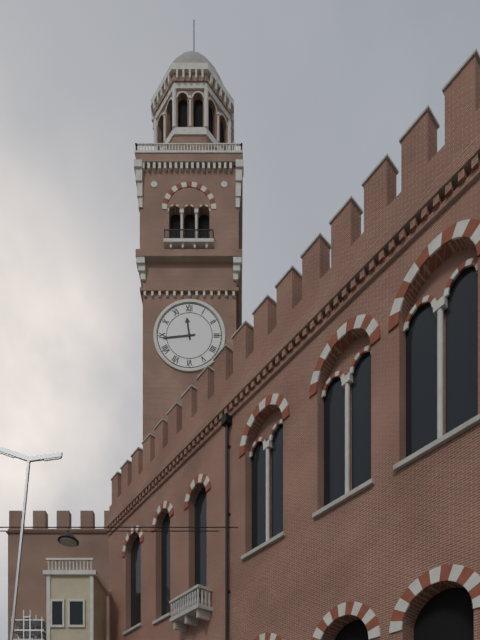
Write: 11:44
